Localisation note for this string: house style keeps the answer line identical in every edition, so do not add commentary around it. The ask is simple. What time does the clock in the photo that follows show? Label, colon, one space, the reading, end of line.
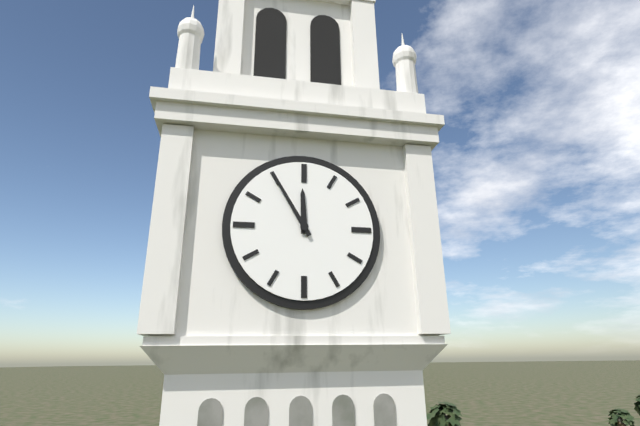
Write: 11:55
